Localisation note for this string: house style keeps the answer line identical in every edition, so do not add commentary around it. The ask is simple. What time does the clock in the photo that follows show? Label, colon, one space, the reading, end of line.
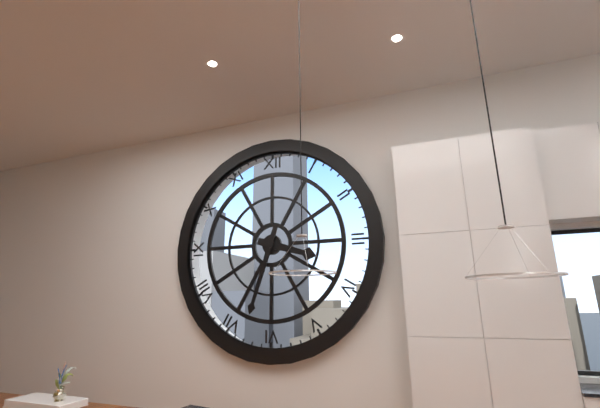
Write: 3:33
